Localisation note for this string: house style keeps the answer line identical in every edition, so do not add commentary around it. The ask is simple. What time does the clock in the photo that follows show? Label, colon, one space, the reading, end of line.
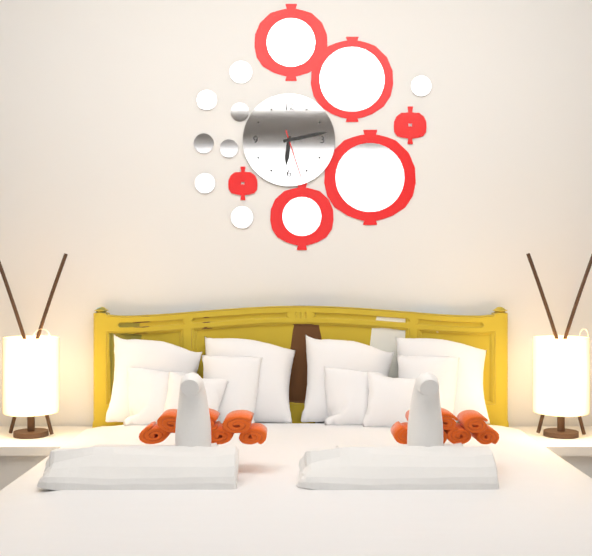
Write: 6:13:27
